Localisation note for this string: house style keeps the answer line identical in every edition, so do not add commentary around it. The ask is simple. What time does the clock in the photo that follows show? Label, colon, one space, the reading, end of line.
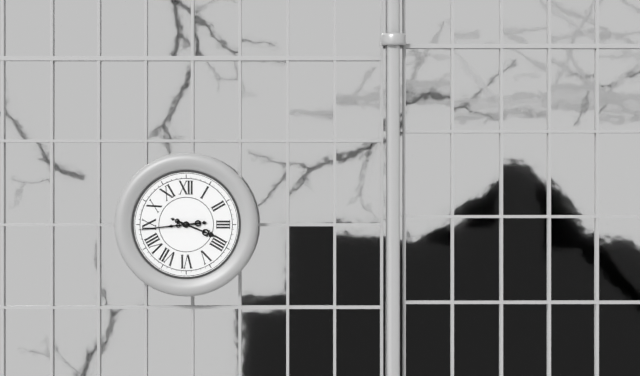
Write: 3:44
